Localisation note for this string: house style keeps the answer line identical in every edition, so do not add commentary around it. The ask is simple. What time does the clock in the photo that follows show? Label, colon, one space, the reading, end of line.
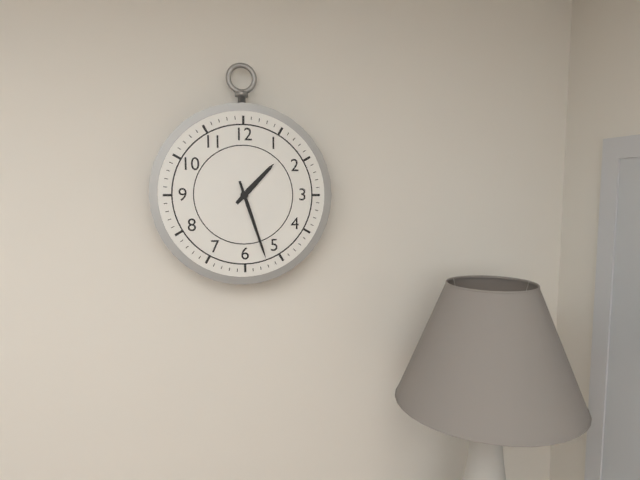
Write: 1:27
